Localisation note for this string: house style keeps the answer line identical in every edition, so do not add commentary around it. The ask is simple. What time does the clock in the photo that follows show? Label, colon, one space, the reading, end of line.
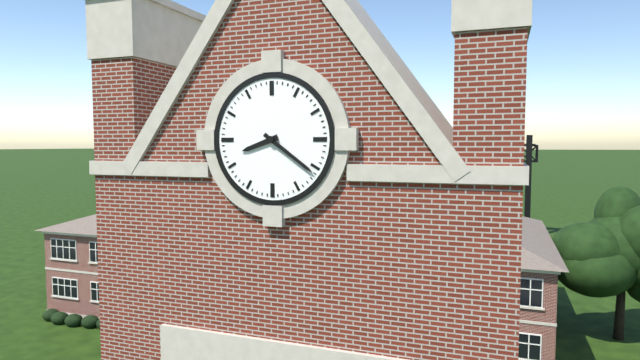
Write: 8:21
